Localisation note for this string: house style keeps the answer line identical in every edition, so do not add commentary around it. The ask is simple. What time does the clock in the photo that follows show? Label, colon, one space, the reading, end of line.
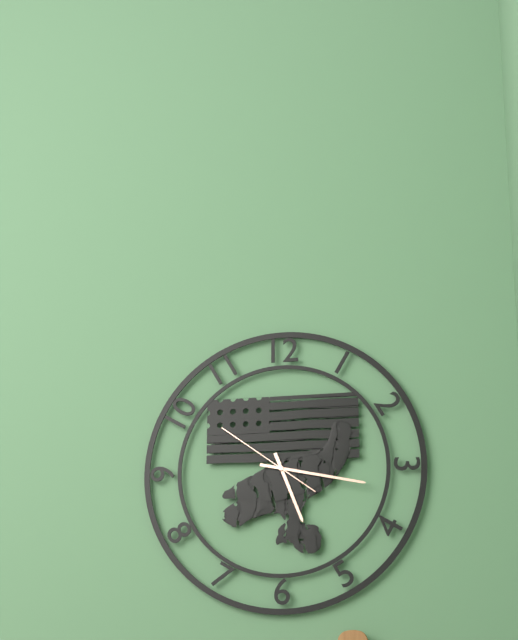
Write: 5:17:51
